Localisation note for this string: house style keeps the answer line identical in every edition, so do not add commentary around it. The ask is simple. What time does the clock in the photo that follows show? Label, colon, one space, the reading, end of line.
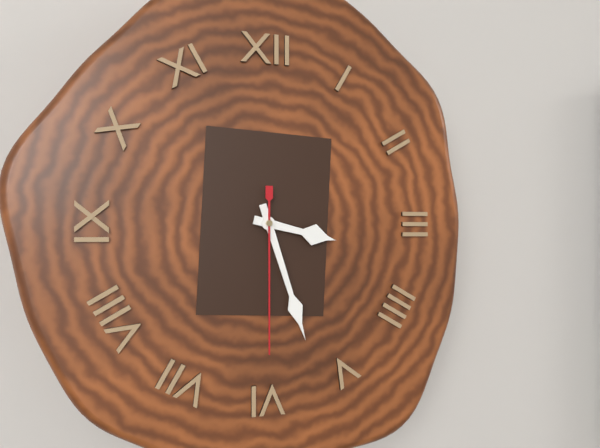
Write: 3:27:30
